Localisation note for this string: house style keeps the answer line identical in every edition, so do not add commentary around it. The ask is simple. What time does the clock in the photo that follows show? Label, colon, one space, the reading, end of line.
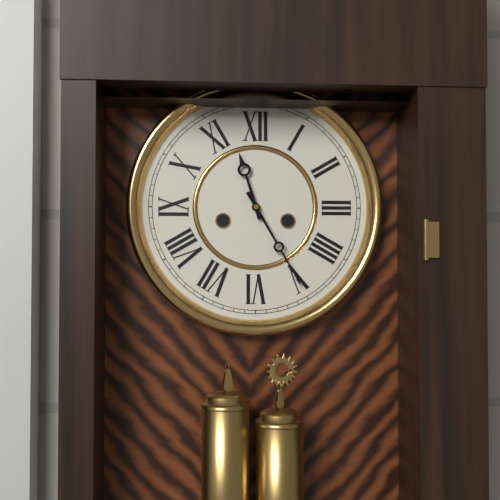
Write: 11:25
